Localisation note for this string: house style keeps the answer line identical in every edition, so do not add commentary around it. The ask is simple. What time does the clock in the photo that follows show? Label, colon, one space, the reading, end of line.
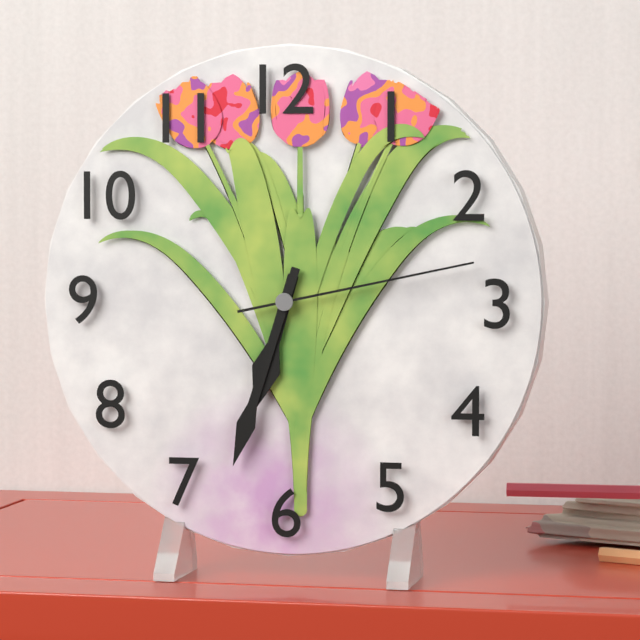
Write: 6:33:13
